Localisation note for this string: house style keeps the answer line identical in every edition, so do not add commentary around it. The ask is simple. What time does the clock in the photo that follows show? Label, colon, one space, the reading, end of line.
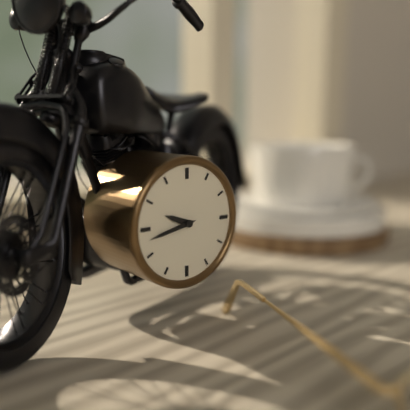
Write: 9:43
